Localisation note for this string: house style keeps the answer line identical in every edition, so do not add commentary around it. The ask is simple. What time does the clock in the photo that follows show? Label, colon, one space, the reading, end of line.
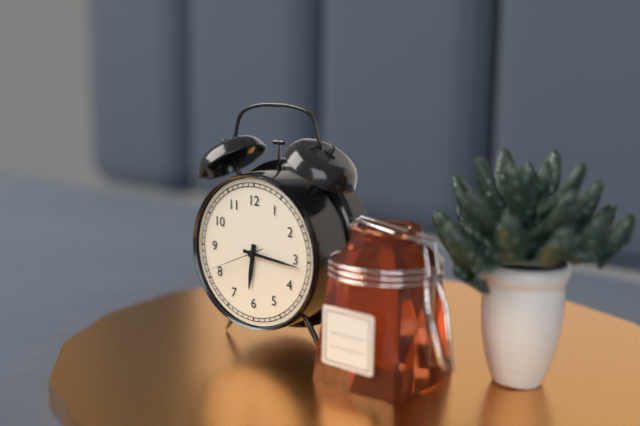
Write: 6:16:41
